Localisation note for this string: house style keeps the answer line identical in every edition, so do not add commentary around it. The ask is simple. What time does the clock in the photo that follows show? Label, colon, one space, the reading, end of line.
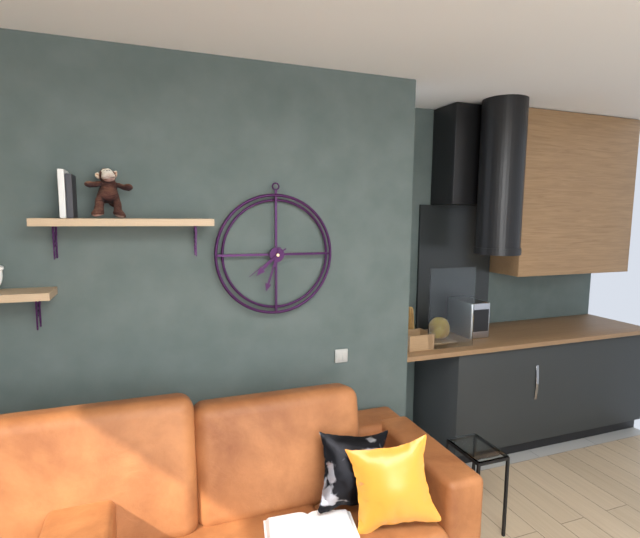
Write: 7:33
